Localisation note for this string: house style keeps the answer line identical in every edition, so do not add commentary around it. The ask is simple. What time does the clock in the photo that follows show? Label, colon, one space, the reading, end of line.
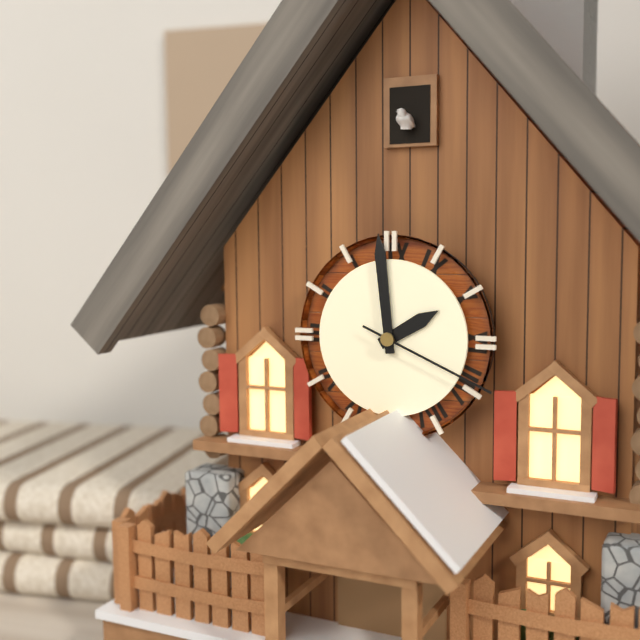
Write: 1:59:19
